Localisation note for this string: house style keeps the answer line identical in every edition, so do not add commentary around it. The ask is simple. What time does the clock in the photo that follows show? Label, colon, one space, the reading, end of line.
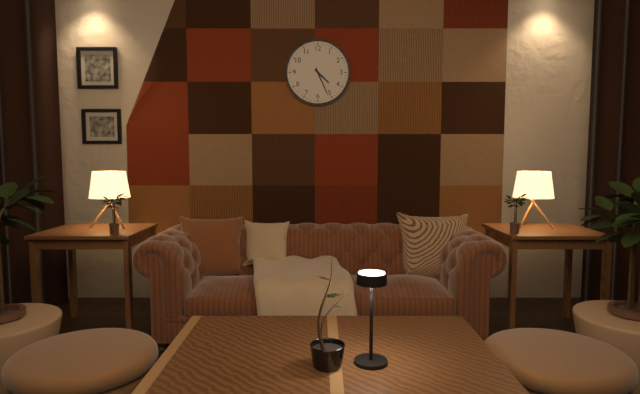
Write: 4:26
